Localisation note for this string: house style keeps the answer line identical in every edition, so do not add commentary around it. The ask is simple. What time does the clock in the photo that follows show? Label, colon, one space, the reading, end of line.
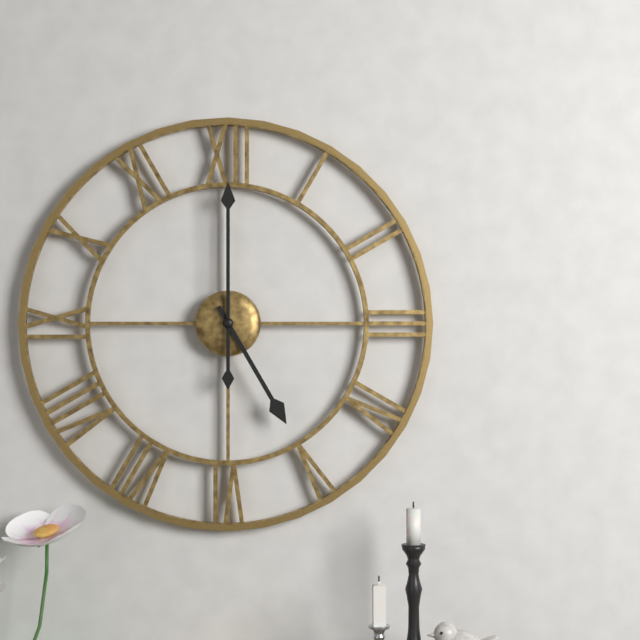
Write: 5:00
